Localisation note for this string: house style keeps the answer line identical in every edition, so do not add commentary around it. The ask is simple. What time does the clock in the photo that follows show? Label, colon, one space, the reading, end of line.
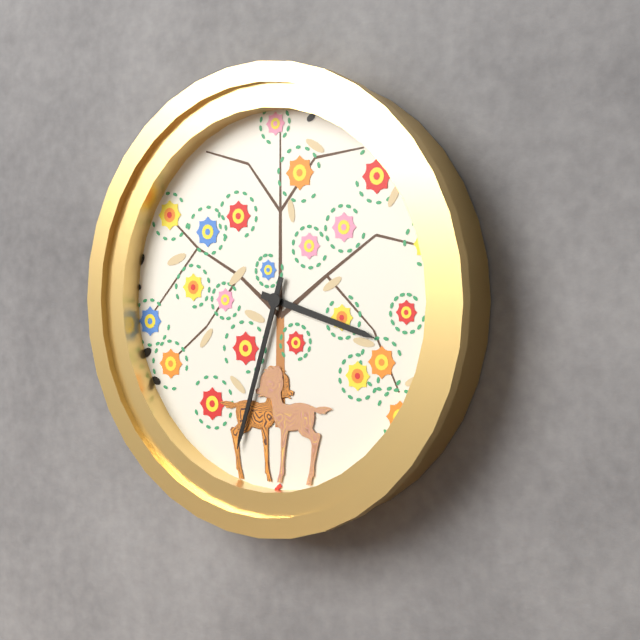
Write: 3:33
